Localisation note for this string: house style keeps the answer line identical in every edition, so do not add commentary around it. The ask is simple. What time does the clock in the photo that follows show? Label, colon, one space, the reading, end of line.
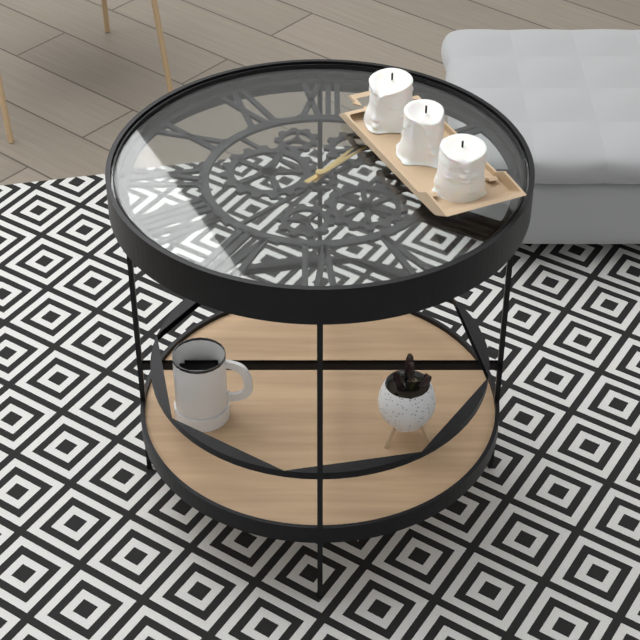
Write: 1:07
